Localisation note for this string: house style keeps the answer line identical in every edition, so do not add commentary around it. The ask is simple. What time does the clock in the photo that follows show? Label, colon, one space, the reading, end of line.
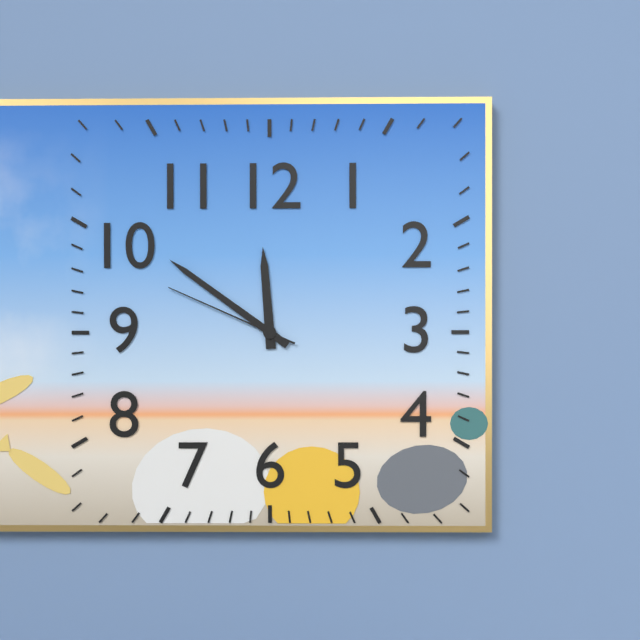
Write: 11:51:49
